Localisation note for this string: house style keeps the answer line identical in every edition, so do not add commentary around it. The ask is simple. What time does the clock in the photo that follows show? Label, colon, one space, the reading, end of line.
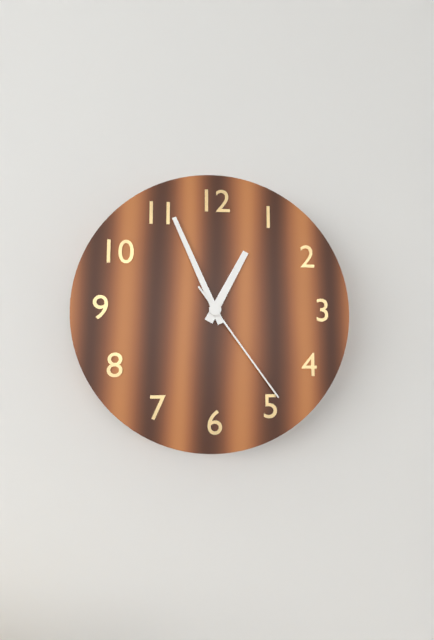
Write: 12:56:24
